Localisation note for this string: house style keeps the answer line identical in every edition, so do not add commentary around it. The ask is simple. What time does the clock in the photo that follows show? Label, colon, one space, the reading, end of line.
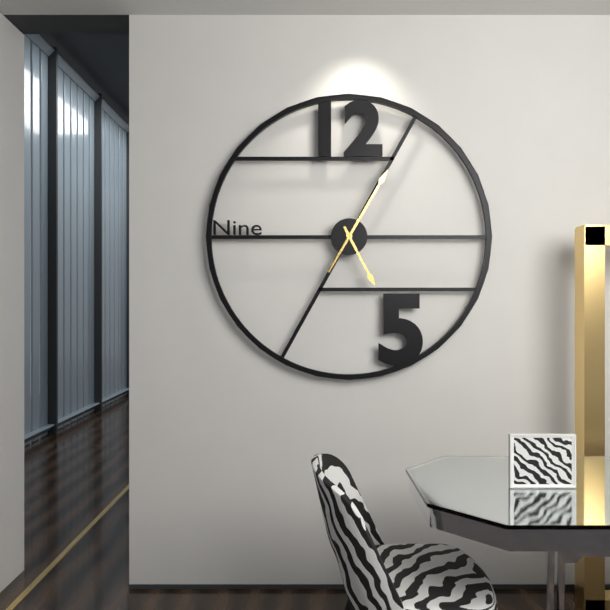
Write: 5:05
